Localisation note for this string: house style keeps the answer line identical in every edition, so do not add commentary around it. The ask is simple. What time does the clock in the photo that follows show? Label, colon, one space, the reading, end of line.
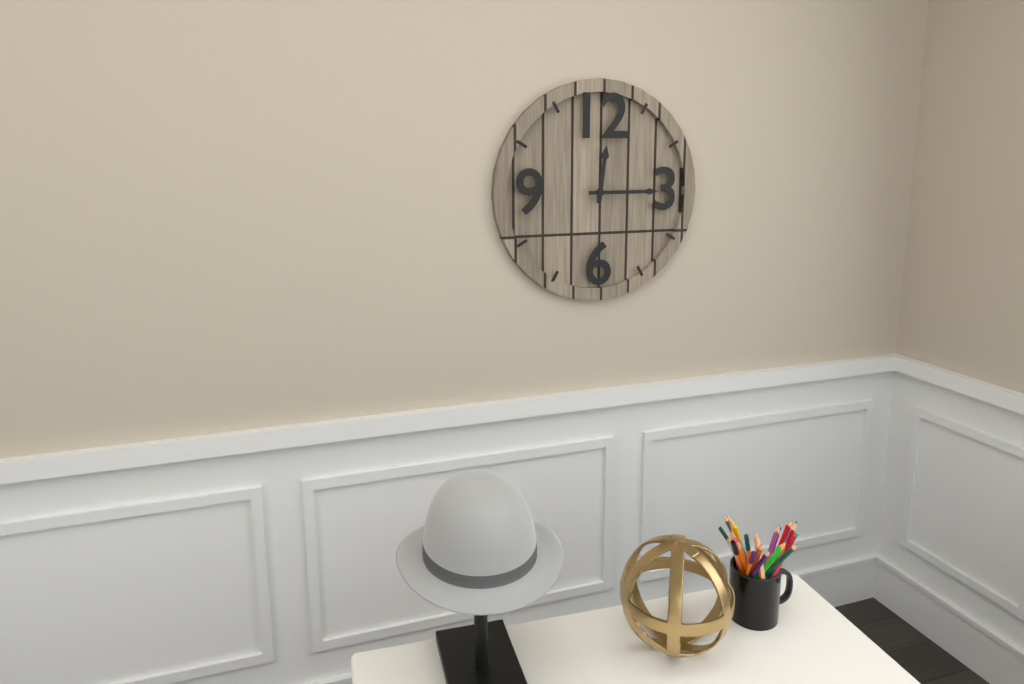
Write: 12:15
